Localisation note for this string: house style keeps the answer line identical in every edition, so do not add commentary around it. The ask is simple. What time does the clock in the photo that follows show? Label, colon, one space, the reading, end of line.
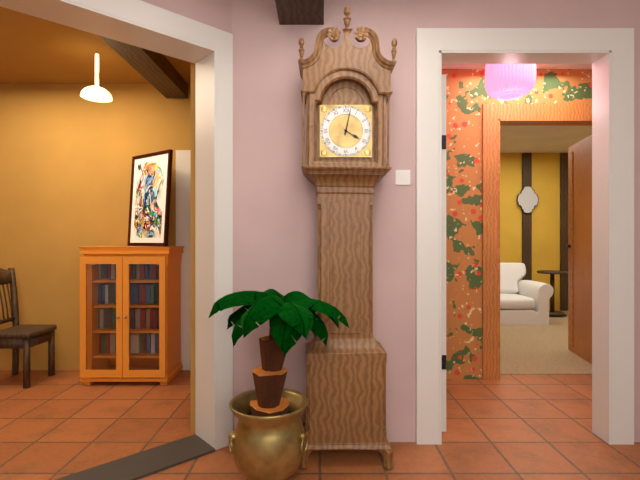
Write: 4:02
